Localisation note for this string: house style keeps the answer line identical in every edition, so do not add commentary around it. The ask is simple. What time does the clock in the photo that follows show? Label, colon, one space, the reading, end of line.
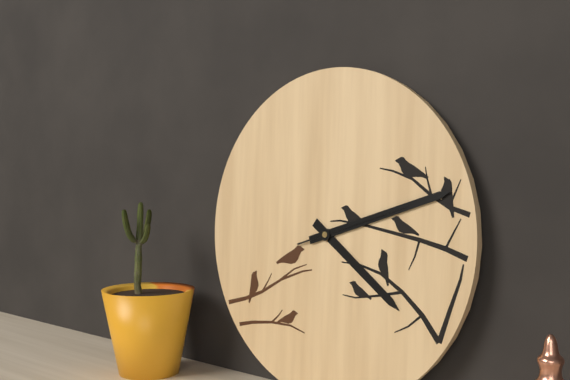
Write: 4:12:12
